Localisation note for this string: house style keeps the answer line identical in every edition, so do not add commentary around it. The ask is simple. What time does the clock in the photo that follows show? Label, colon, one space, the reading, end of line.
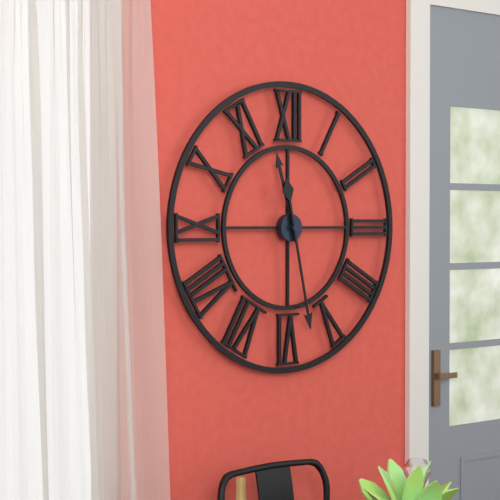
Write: 11:28
